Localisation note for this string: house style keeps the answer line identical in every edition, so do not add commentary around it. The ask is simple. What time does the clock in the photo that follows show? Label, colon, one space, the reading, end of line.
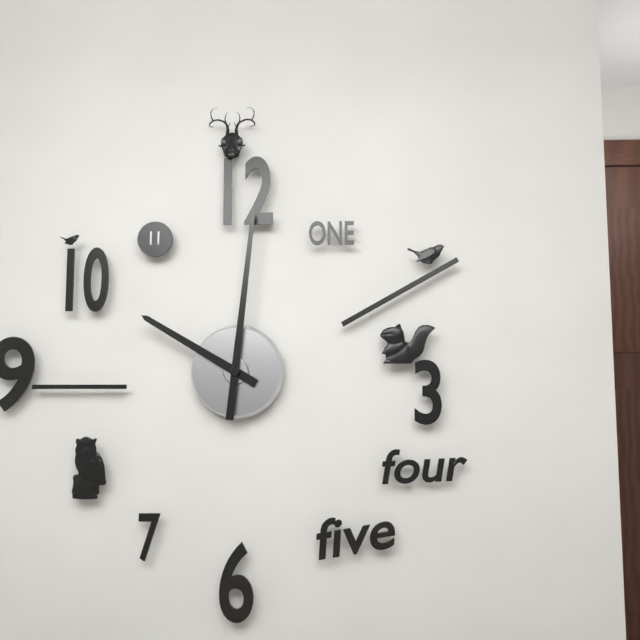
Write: 10:01
